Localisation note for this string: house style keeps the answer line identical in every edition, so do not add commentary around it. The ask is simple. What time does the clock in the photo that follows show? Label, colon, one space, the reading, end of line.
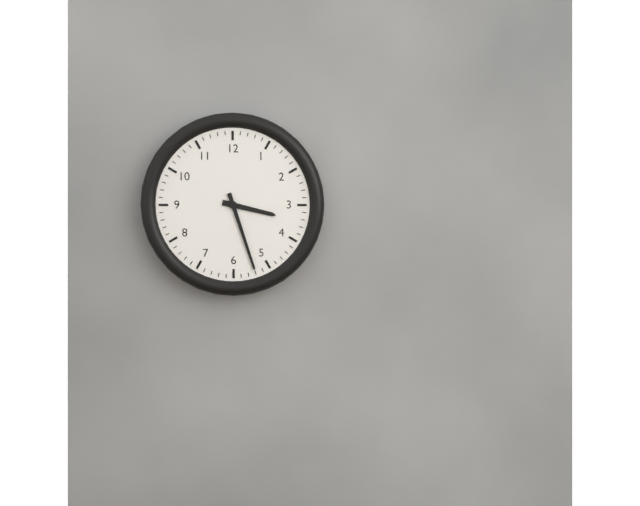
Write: 3:27
